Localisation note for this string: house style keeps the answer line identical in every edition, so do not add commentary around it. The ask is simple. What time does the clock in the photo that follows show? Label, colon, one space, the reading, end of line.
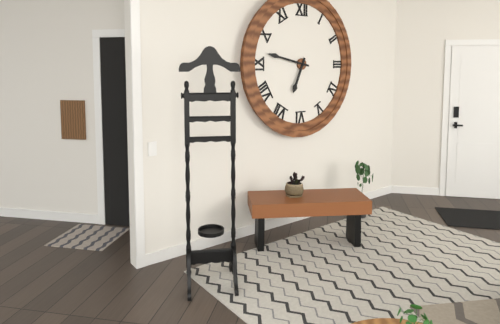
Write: 6:47
